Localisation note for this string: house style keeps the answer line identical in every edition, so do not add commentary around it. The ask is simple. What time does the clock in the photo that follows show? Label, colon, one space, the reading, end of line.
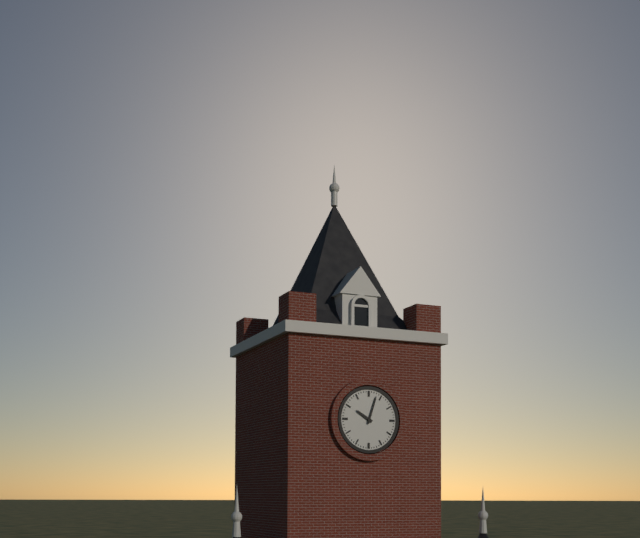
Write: 10:03
